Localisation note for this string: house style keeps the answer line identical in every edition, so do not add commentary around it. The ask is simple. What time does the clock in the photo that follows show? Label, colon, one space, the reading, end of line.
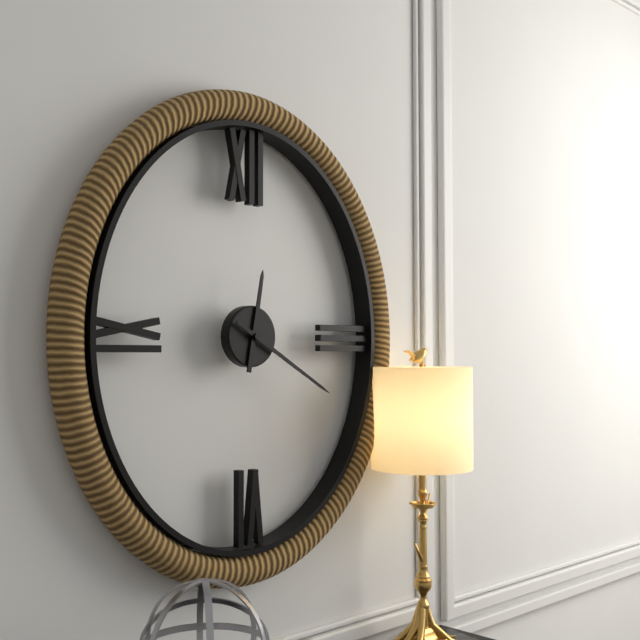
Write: 12:20
